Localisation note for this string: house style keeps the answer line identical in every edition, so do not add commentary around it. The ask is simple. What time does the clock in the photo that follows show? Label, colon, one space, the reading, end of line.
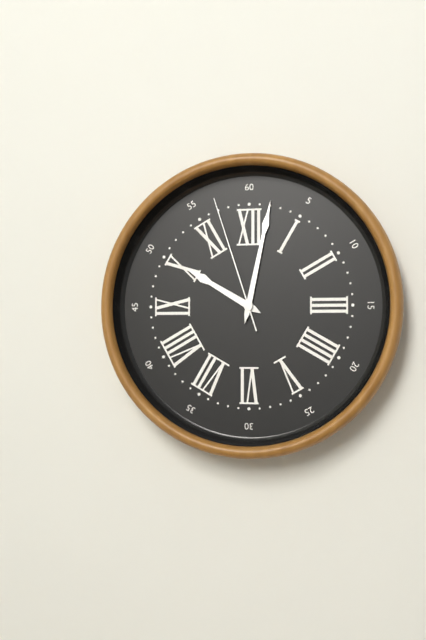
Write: 10:02:57
